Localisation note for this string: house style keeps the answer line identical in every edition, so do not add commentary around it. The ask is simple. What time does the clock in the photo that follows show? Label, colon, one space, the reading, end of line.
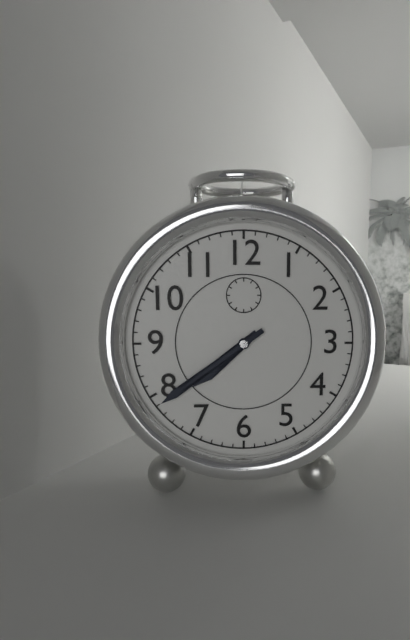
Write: 7:39
